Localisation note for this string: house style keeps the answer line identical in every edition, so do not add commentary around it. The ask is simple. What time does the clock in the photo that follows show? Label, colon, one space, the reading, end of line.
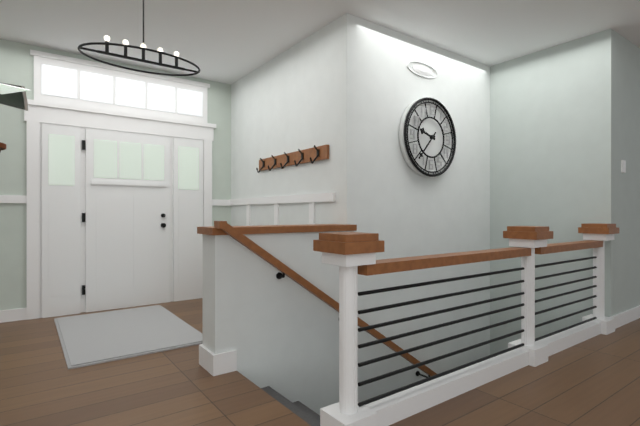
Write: 9:37
